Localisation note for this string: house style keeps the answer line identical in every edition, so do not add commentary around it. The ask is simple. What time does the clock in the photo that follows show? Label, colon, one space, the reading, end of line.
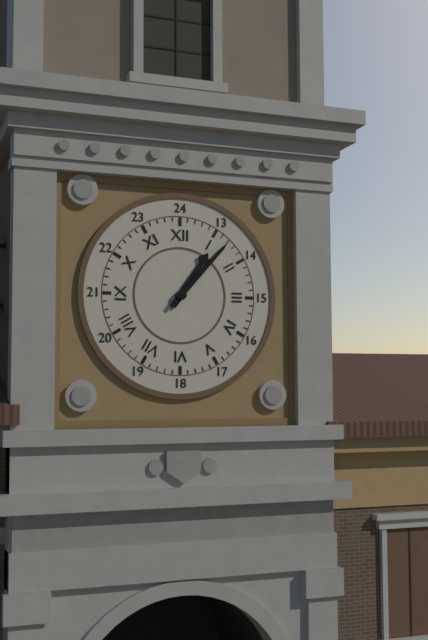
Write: 1:07
